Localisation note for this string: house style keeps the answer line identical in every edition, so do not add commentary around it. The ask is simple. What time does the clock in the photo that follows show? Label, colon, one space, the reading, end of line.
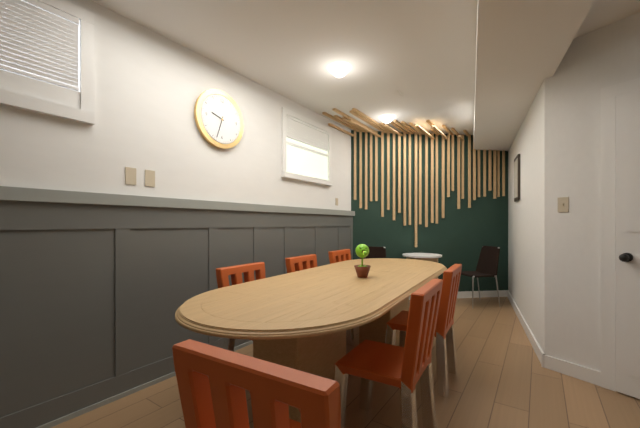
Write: 9:33
